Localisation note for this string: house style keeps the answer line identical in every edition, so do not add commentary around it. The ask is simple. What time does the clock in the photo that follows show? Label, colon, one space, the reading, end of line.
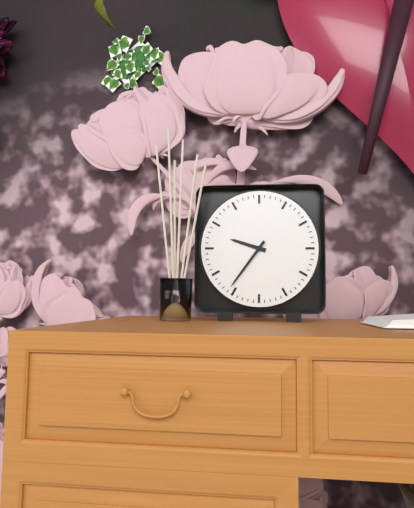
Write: 9:36
